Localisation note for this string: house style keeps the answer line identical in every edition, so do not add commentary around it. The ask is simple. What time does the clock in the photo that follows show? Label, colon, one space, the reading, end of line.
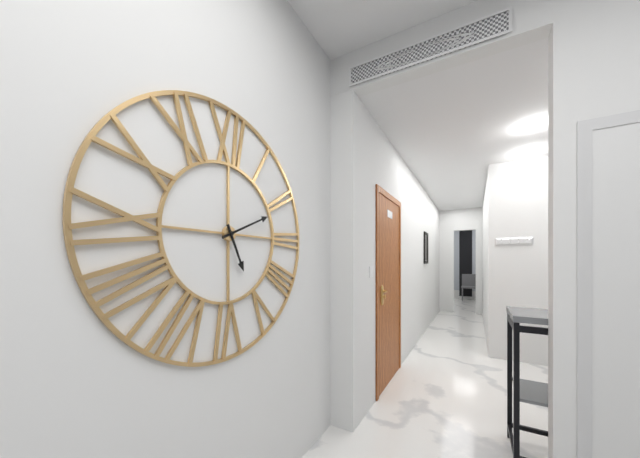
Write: 5:11
